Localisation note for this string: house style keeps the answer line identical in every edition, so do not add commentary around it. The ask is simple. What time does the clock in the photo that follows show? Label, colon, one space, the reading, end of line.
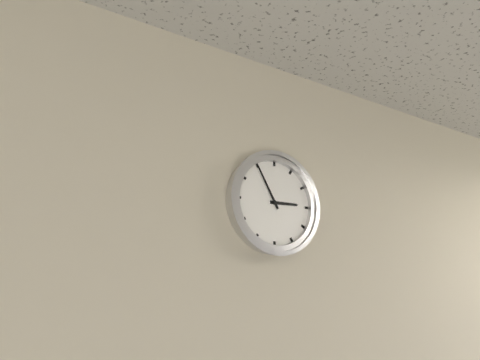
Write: 2:55
